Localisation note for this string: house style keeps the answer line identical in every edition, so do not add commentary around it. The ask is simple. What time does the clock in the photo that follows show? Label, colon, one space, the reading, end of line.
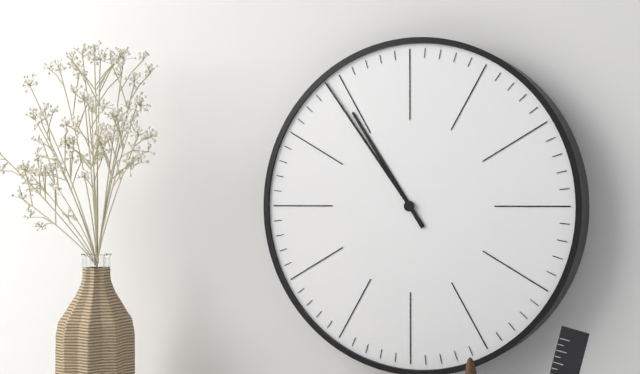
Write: 10:54
